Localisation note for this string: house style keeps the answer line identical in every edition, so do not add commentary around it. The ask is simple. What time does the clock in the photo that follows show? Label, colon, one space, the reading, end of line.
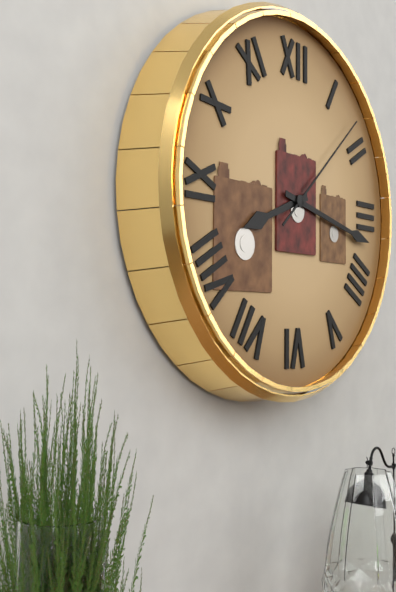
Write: 8:17:08
